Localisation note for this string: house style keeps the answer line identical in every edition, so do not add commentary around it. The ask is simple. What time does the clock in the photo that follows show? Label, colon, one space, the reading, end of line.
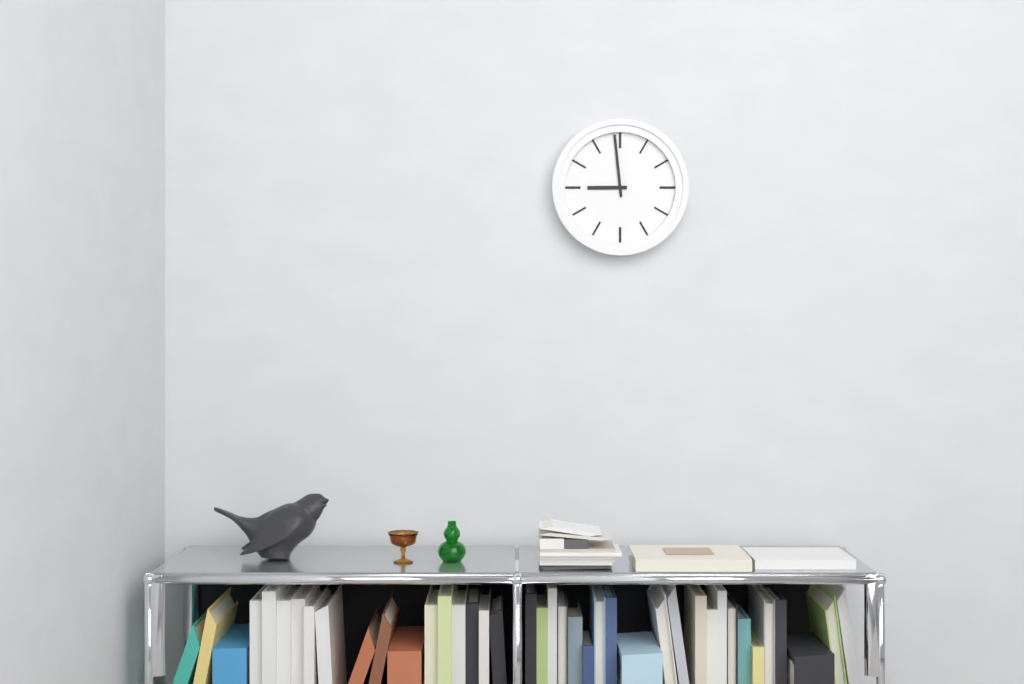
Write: 8:59
